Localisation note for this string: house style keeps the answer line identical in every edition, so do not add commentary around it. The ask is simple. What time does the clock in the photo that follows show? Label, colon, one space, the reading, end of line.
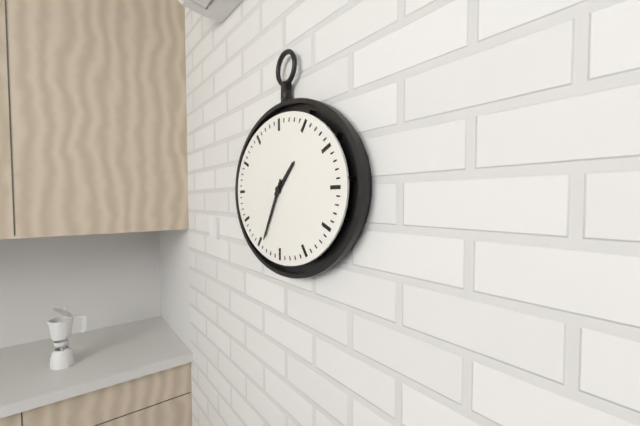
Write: 1:35
